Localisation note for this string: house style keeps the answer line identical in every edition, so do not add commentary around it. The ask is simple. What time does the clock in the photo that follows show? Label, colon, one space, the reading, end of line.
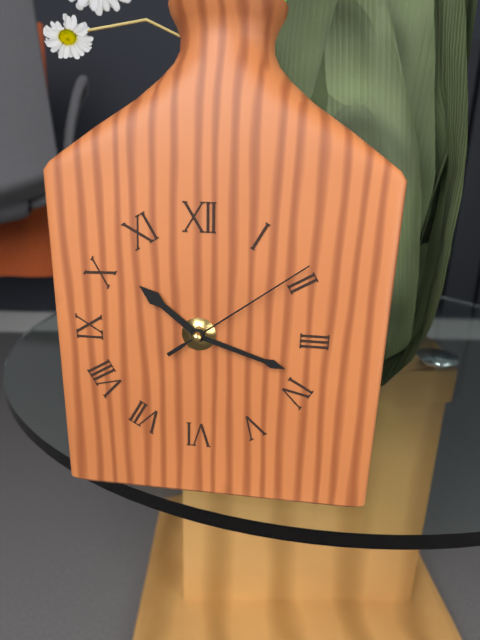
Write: 10:18:09
